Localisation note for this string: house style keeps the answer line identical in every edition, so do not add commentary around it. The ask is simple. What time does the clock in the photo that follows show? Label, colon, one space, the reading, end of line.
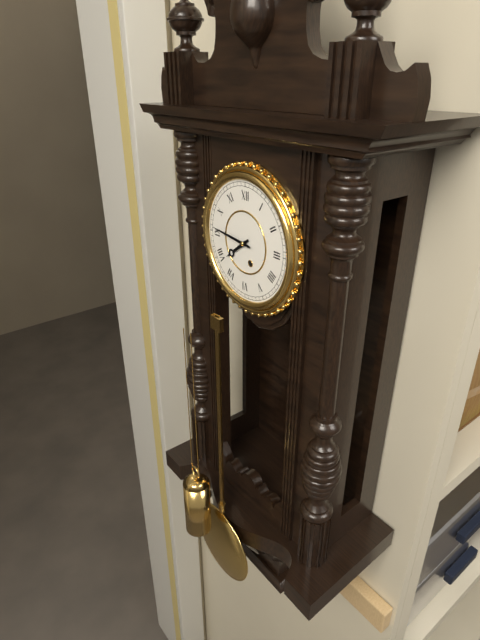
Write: 7:46
